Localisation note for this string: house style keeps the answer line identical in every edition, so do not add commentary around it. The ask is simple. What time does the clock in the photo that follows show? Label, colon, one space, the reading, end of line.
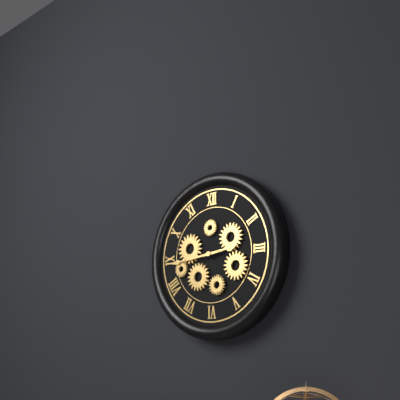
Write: 2:44
